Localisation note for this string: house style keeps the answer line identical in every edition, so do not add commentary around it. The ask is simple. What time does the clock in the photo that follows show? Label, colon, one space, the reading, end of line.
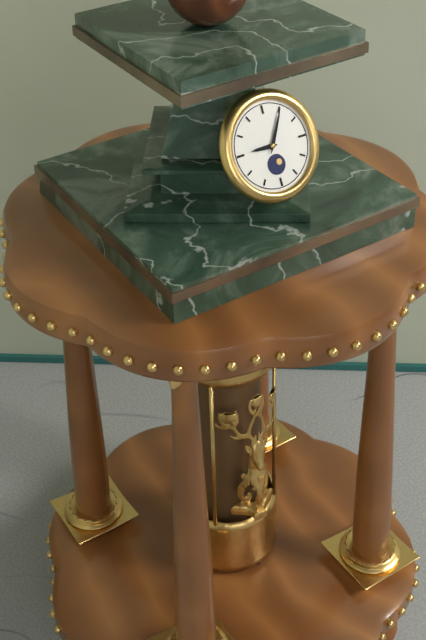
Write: 9:05
